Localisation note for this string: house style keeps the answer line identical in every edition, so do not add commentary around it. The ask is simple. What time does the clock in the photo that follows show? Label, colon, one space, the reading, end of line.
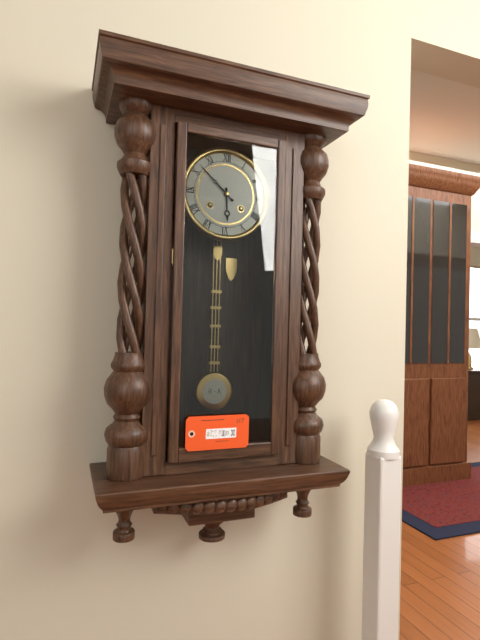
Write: 5:52
